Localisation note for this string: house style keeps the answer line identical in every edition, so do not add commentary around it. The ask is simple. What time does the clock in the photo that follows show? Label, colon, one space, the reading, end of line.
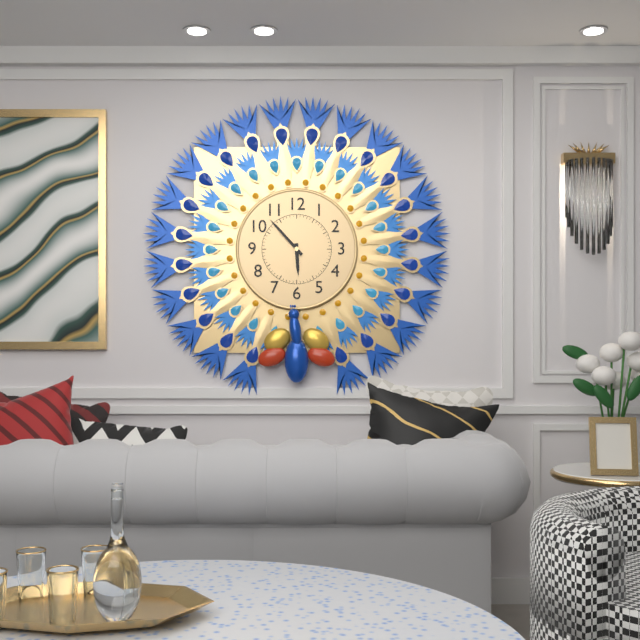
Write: 5:53
